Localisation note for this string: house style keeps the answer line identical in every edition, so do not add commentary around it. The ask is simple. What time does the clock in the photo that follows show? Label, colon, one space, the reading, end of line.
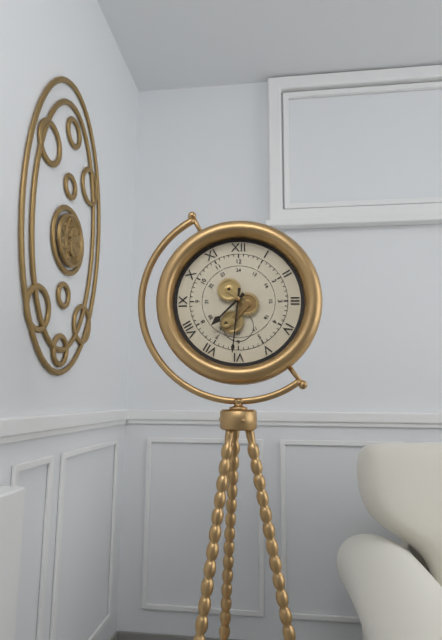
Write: 7:31
